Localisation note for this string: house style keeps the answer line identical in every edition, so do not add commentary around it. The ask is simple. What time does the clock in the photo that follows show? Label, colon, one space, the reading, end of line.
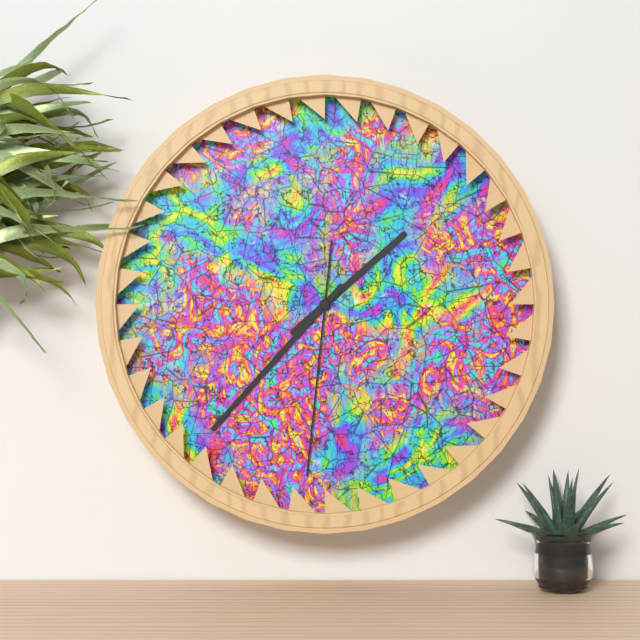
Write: 1:37:31
